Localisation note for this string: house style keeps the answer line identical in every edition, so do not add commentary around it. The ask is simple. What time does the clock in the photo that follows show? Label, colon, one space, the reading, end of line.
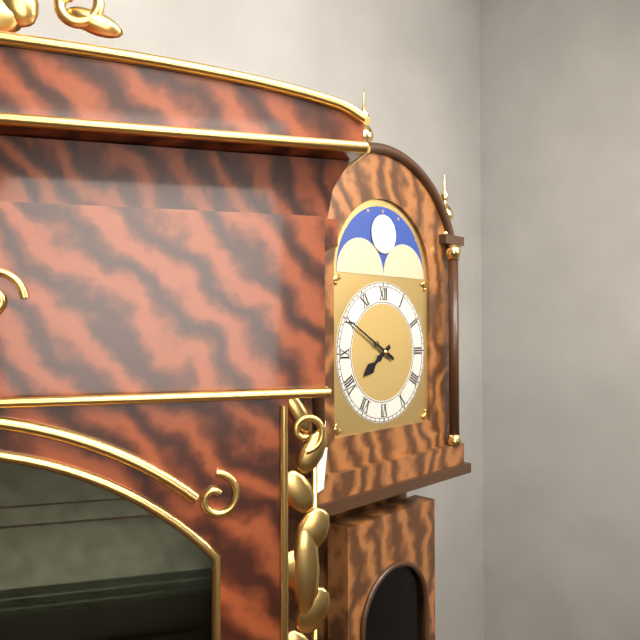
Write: 7:50
